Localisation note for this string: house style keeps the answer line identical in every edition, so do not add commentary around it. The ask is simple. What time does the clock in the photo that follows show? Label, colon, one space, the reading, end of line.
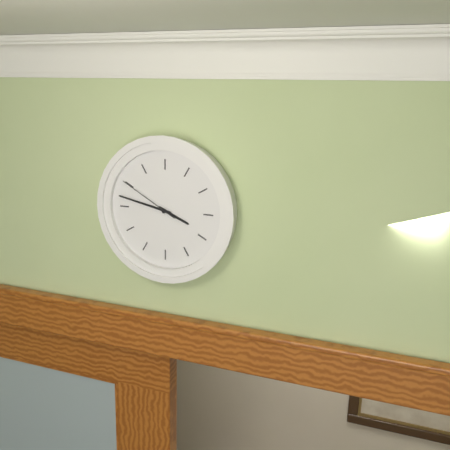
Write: 3:47:50
